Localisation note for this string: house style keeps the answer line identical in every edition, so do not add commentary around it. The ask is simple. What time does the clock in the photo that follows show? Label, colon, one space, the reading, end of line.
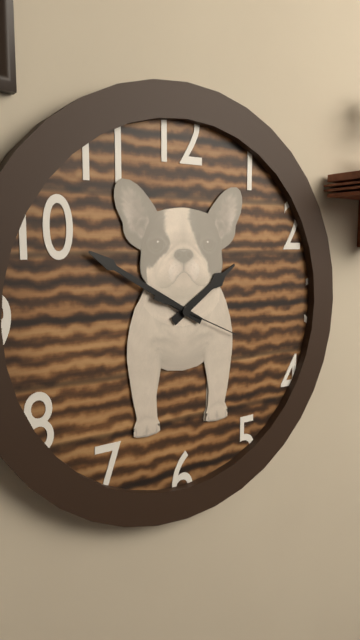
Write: 1:50:19
